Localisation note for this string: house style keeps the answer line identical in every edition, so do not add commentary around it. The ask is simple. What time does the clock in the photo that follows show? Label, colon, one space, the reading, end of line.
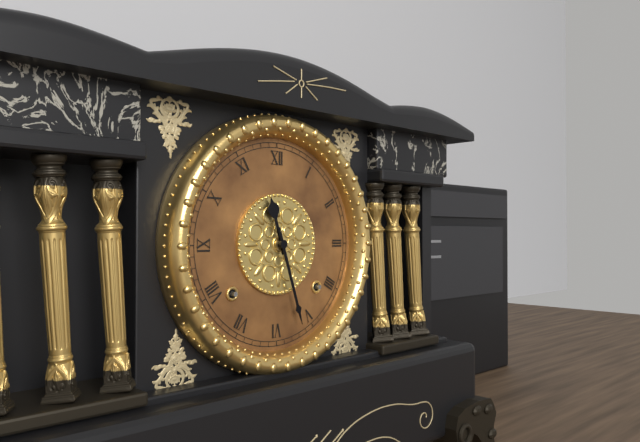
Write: 11:27
